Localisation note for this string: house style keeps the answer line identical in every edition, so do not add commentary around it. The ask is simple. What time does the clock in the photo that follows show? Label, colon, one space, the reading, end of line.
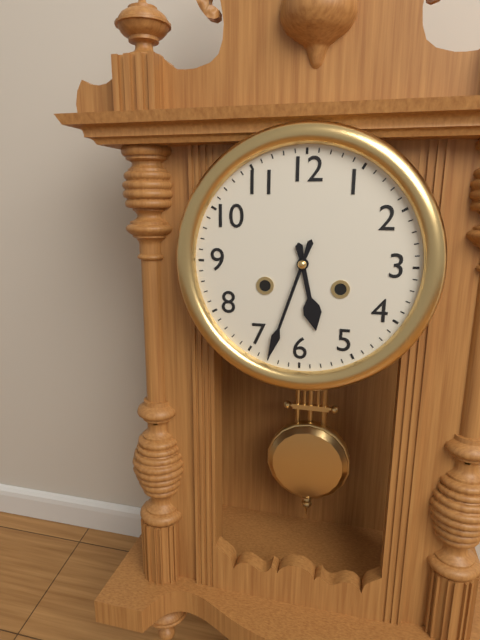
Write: 5:33
